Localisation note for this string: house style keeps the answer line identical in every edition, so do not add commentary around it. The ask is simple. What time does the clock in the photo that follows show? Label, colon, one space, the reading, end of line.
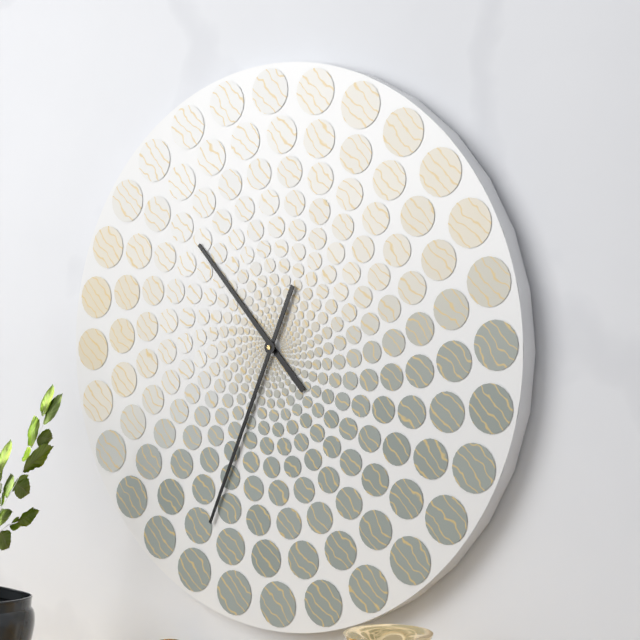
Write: 10:34
